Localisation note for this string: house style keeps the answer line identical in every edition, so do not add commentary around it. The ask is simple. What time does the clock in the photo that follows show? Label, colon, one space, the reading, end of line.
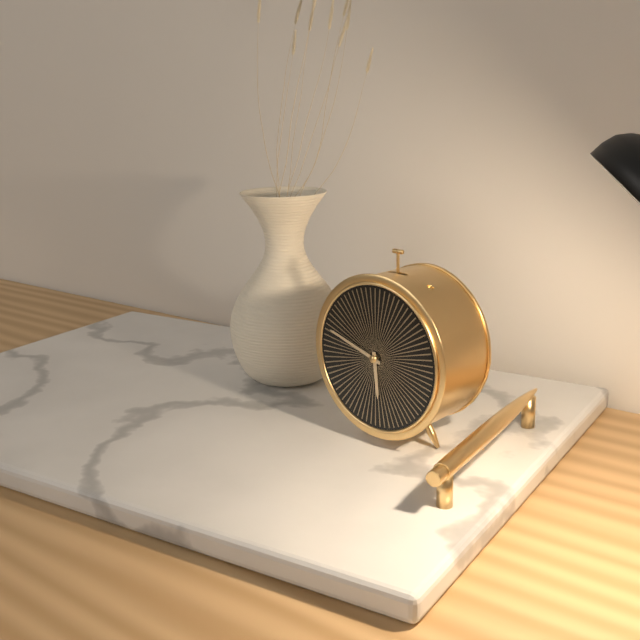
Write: 5:48
